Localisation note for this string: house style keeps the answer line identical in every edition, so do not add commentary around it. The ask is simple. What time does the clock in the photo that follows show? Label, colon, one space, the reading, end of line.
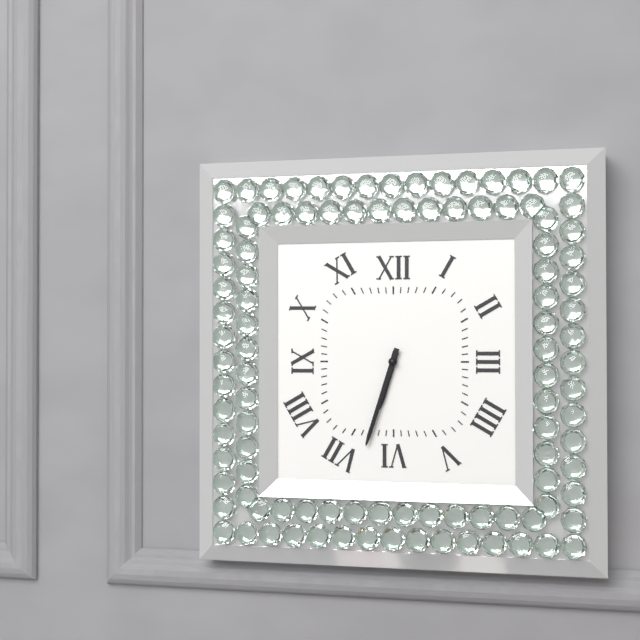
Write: 6:33
